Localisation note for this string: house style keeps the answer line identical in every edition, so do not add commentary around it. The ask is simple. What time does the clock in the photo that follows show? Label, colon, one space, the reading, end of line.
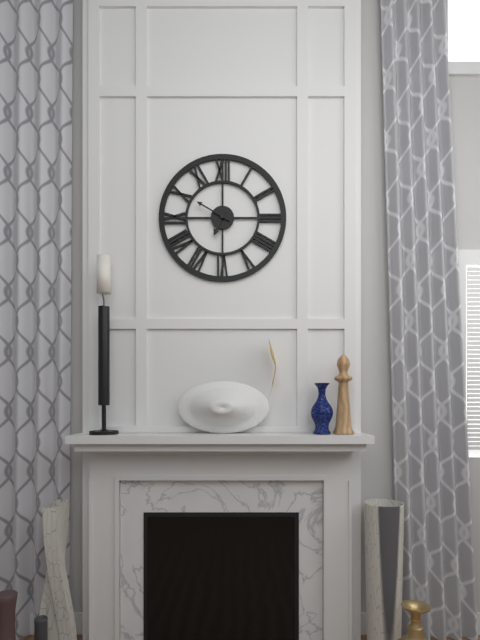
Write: 6:50
